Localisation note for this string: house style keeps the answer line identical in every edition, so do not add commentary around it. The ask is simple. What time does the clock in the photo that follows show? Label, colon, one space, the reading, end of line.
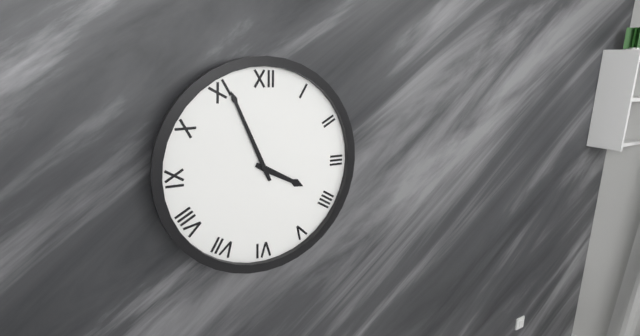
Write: 3:56
